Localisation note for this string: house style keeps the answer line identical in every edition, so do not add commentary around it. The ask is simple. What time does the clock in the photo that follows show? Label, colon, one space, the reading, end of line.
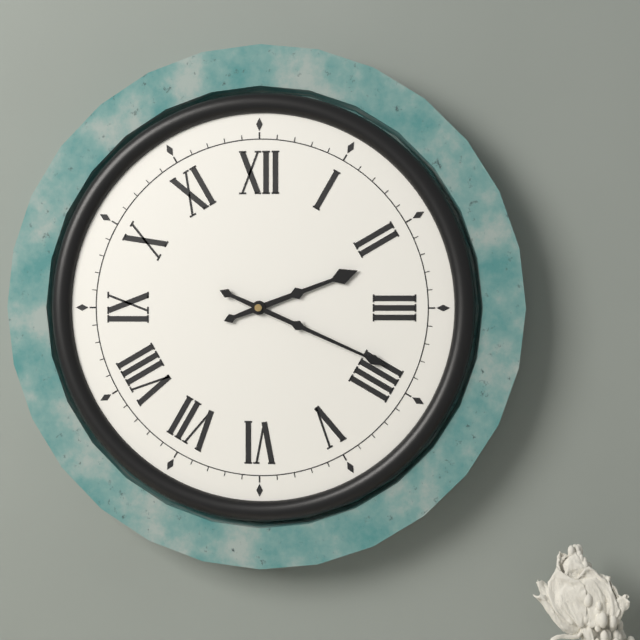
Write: 2:19
